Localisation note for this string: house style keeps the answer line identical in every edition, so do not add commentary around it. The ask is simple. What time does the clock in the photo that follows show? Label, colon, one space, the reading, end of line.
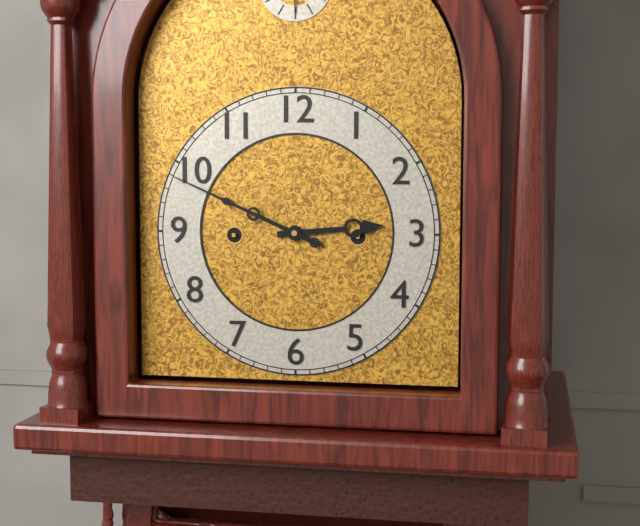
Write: 2:49
